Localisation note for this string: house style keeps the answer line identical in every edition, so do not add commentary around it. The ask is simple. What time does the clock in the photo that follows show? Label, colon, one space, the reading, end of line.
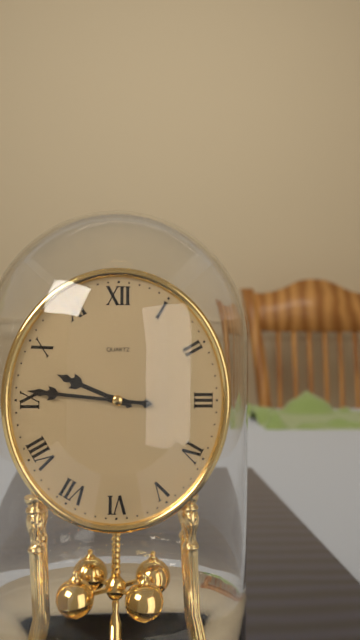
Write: 9:46
